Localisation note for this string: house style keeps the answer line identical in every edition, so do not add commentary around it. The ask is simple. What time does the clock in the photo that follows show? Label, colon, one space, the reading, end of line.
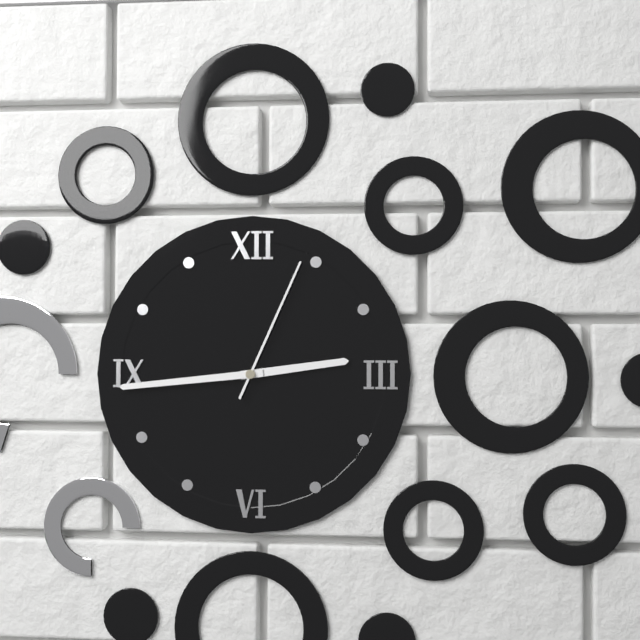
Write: 2:44:04
